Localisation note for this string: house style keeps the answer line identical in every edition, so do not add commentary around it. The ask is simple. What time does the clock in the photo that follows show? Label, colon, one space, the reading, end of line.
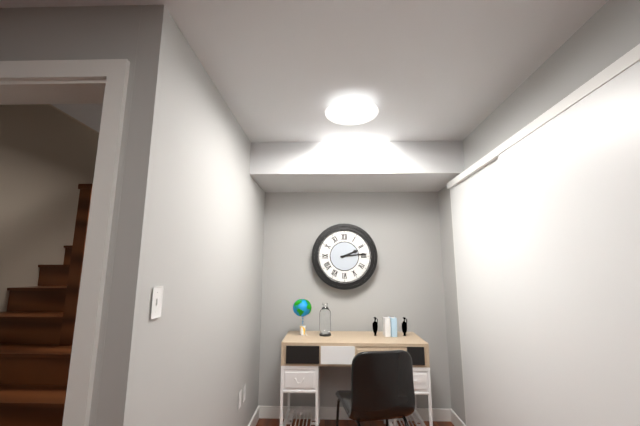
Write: 2:14
